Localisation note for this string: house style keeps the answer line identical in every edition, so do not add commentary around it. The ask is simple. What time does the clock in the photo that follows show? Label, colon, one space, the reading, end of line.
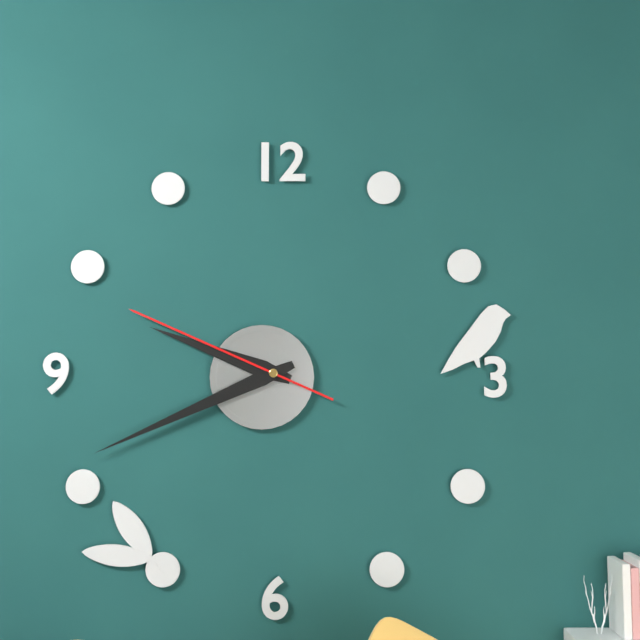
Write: 9:41:49
